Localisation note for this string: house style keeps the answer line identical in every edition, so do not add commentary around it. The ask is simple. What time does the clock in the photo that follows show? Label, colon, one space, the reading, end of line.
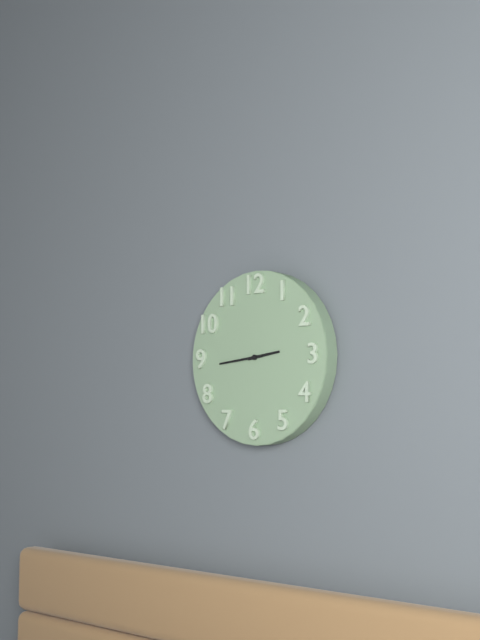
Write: 2:44
